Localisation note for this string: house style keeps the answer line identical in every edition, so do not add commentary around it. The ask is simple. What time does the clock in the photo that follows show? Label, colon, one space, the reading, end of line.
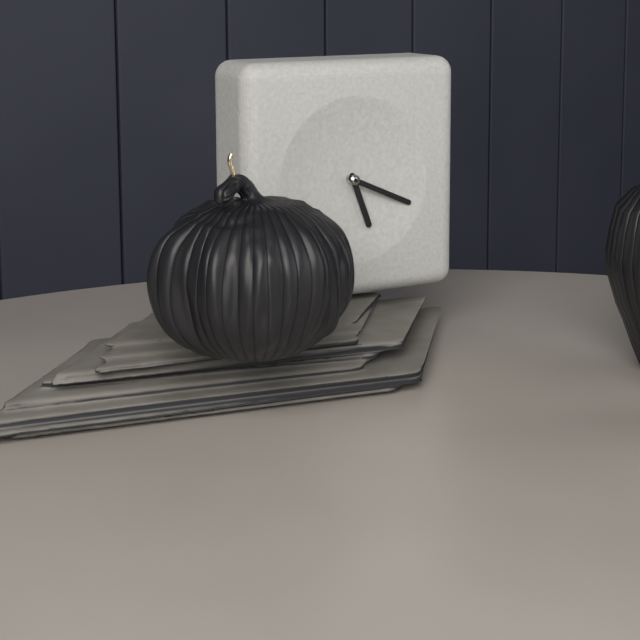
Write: 5:19
